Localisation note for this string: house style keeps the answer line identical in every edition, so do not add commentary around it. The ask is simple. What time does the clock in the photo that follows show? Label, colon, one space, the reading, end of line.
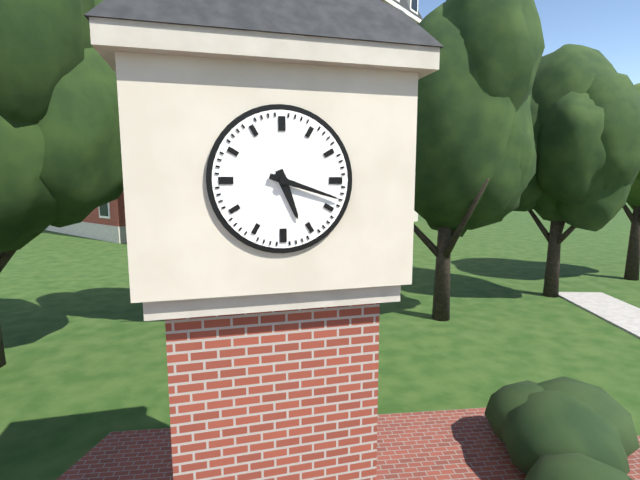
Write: 5:18
